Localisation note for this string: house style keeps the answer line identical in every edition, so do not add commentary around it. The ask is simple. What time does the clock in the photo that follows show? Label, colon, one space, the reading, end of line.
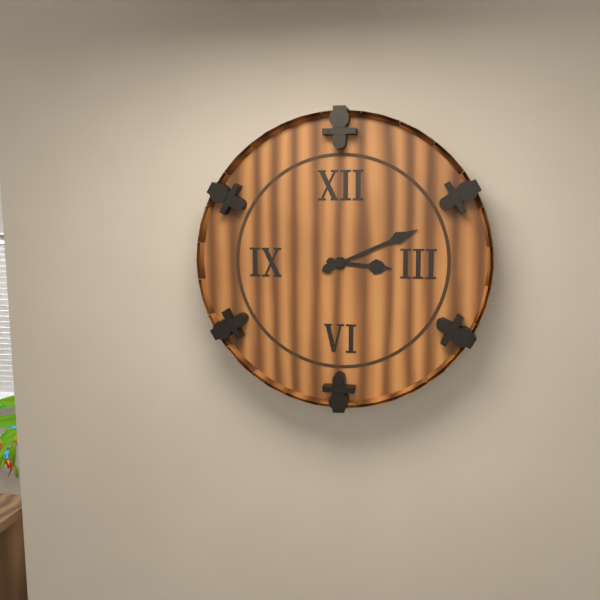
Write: 3:11
